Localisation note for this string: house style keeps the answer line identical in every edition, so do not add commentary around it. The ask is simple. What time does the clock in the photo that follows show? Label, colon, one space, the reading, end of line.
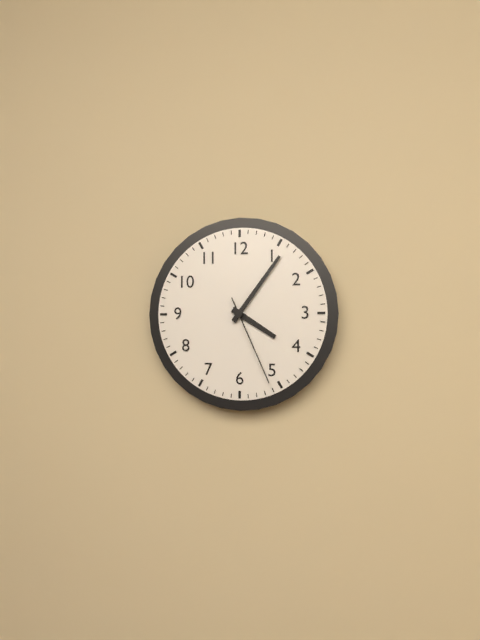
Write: 4:06:26
